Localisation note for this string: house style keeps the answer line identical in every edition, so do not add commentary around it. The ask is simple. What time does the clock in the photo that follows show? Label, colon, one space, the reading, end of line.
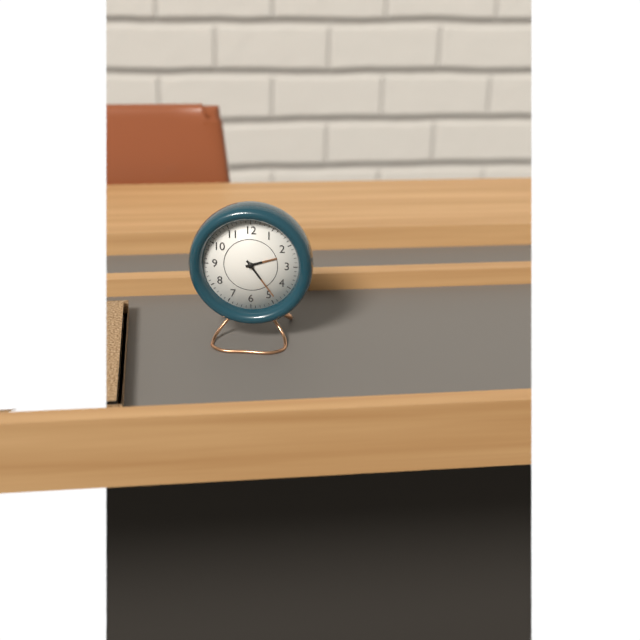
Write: 2:24
